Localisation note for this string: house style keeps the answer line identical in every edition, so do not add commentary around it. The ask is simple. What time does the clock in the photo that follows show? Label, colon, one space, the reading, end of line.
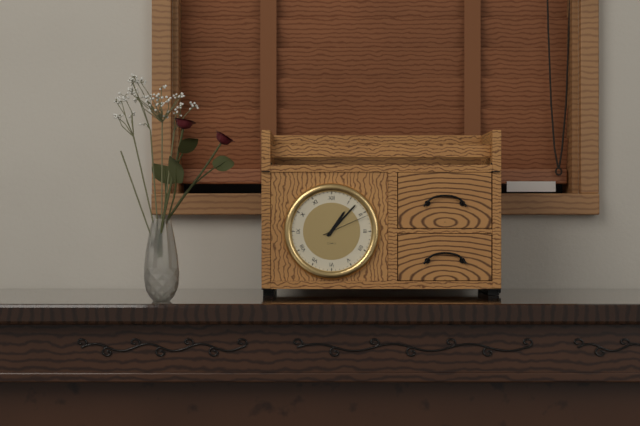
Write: 1:07
